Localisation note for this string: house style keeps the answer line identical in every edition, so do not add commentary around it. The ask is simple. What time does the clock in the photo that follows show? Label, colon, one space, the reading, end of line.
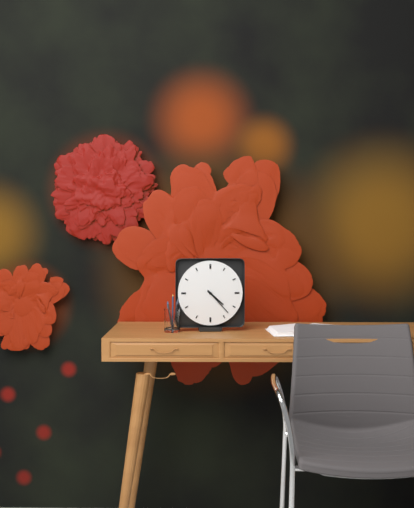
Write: 4:23
